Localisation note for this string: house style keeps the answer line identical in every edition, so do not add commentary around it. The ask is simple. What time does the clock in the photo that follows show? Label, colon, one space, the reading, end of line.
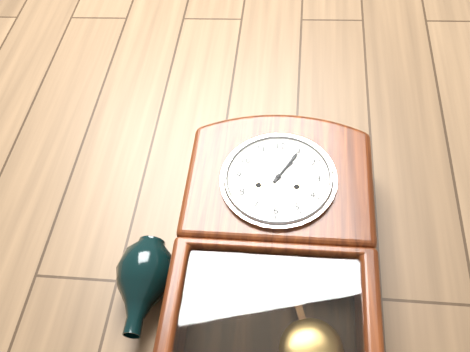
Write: 1:05
